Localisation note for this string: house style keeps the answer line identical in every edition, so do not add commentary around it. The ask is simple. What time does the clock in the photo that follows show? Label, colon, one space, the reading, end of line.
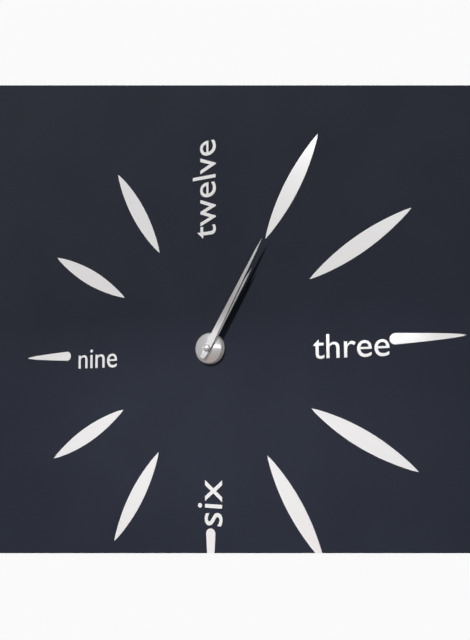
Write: 1:05
